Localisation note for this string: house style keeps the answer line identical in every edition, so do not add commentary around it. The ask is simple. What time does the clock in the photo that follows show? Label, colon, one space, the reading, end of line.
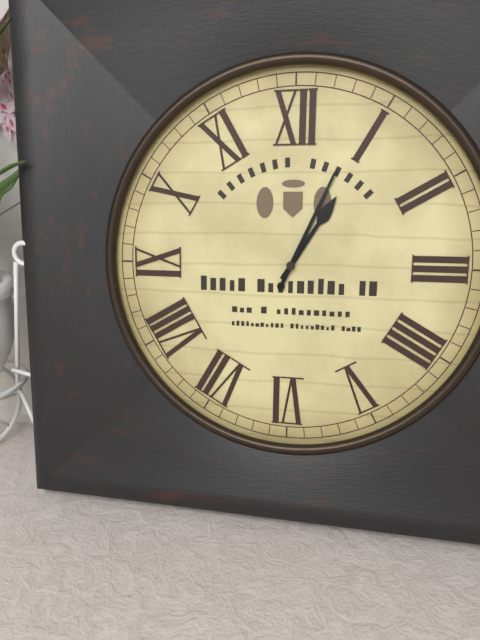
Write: 1:04
